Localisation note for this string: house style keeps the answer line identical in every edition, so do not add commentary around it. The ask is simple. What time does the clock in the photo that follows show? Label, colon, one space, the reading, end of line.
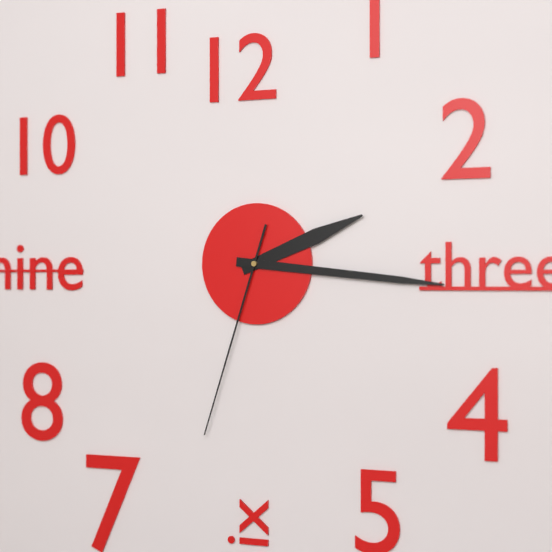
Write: 2:16:33
